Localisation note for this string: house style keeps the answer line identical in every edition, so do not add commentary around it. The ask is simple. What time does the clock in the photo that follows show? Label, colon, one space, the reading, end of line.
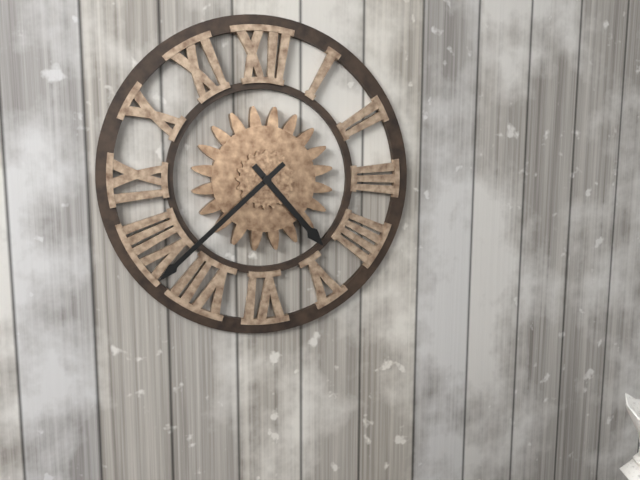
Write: 4:38
